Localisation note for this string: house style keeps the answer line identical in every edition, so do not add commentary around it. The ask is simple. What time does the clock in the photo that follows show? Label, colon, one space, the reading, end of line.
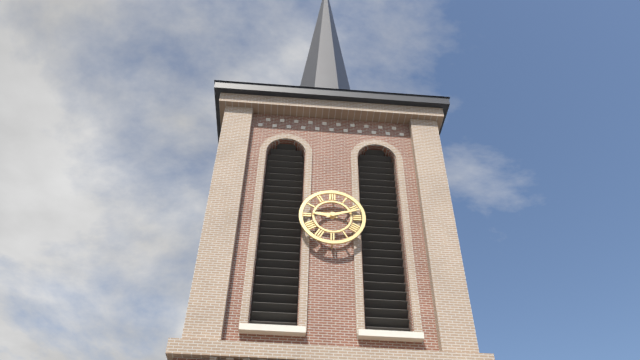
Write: 9:12
